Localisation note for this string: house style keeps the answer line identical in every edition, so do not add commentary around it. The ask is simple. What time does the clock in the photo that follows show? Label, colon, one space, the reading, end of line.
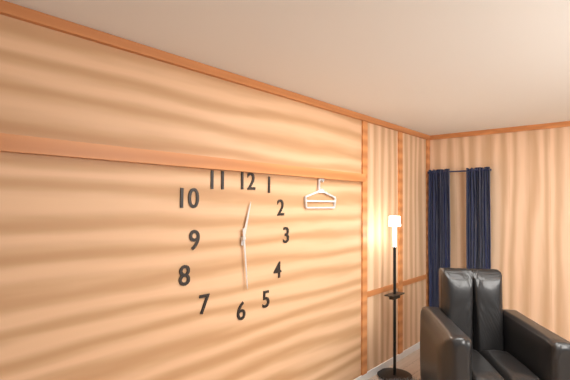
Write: 12:29
